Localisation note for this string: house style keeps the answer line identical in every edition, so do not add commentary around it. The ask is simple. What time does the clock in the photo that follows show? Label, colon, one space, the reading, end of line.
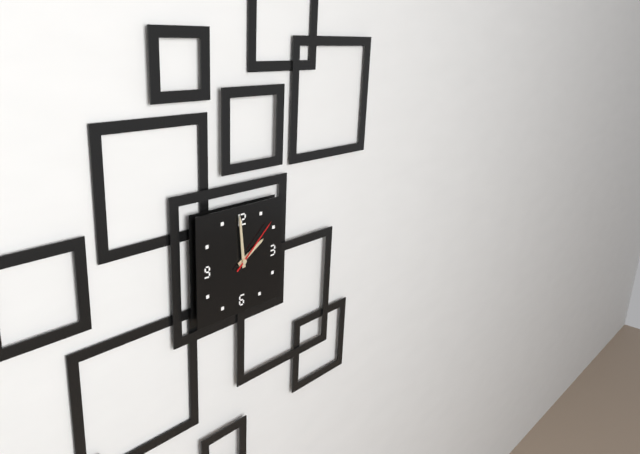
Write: 1:59:08
